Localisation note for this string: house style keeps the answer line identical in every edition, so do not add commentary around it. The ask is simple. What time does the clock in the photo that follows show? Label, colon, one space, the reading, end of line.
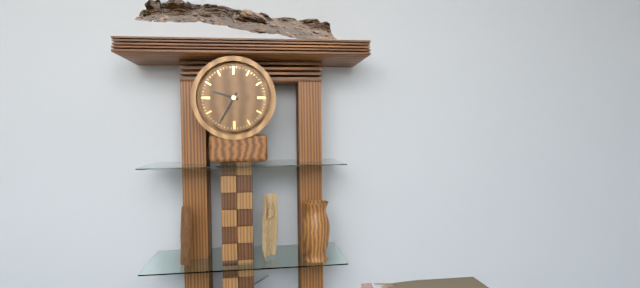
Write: 9:35
